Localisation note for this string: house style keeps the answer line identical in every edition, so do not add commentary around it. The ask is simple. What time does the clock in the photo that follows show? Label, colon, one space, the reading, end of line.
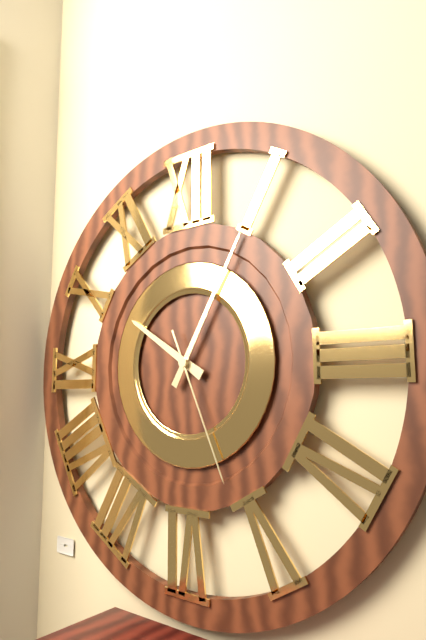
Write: 10:05:26
